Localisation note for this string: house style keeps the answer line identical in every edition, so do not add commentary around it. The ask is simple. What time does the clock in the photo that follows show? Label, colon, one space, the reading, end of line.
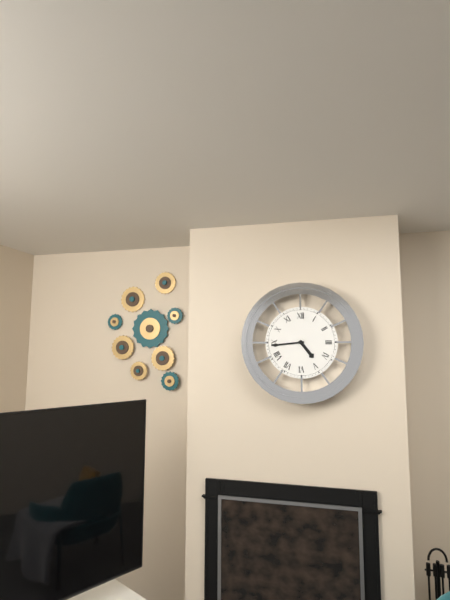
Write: 4:44
